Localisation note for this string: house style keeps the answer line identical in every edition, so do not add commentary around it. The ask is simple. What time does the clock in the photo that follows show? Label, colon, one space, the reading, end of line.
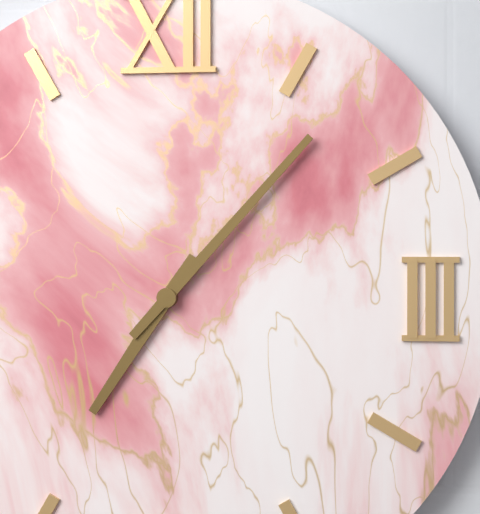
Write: 7:07
